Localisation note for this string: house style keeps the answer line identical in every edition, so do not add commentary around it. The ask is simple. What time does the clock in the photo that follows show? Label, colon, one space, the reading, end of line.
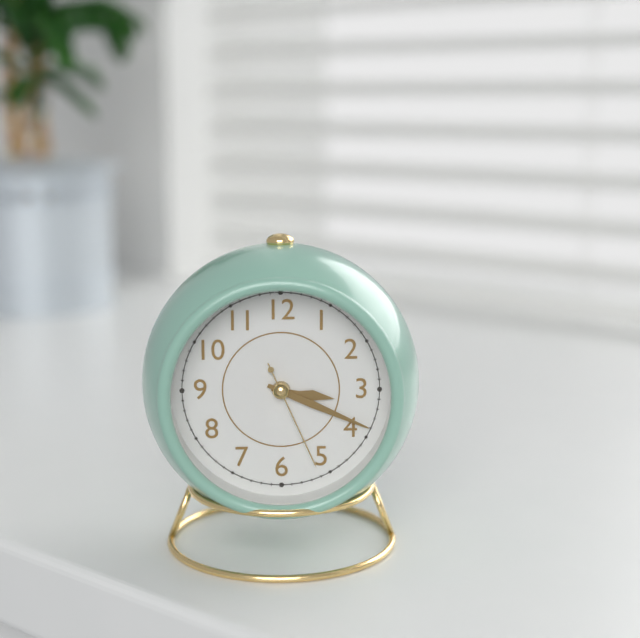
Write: 3:19:26
